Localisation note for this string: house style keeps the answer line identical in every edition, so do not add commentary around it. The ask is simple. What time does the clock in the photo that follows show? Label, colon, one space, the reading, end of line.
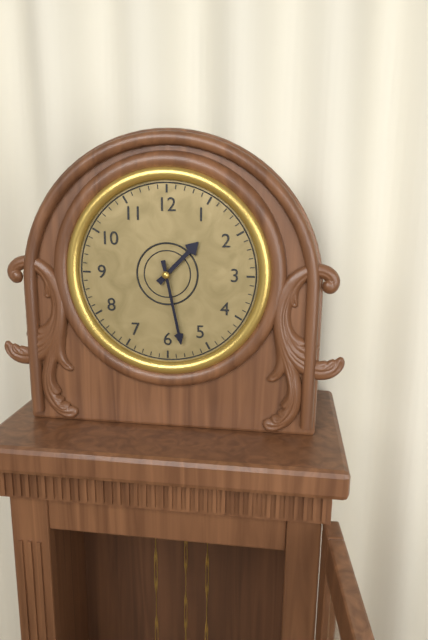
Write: 1:28
